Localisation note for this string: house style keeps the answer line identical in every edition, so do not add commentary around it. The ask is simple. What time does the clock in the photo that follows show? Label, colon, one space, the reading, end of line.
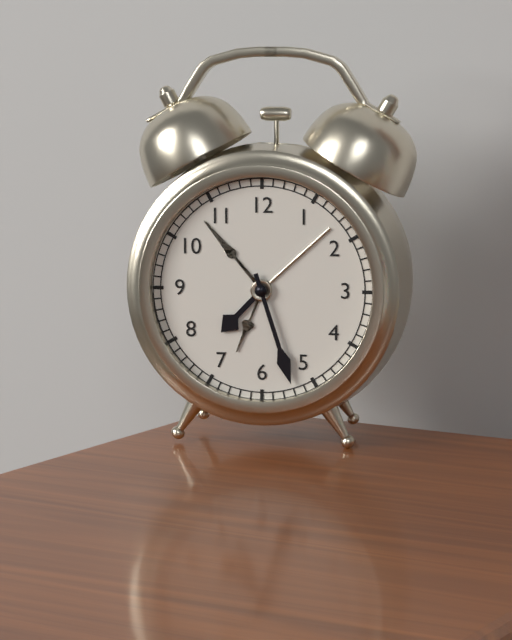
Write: 7:27
